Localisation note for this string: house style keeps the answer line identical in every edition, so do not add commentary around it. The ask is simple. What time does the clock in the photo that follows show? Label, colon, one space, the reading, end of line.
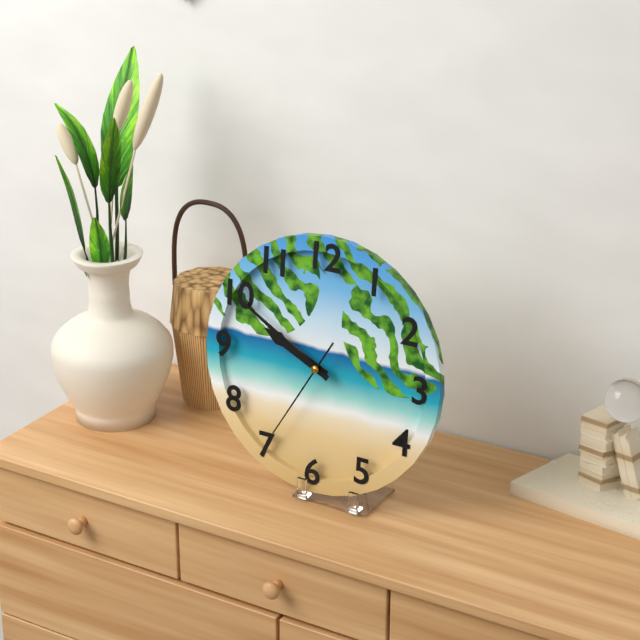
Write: 9:50:35
